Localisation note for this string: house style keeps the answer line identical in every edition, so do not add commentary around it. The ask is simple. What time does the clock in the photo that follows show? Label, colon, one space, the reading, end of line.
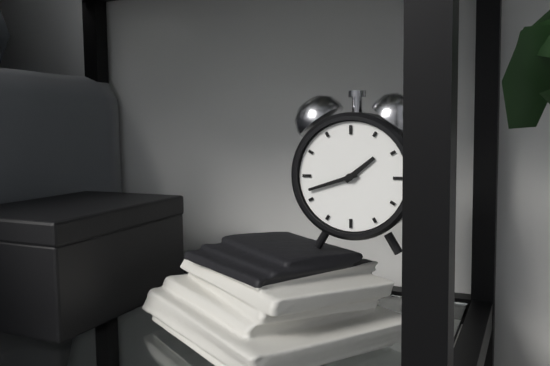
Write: 1:42
